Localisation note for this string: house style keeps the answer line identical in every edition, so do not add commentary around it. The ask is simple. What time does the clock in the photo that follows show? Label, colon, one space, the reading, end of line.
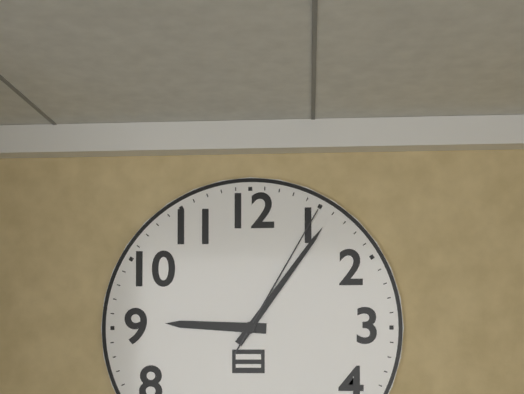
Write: 9:06:05
